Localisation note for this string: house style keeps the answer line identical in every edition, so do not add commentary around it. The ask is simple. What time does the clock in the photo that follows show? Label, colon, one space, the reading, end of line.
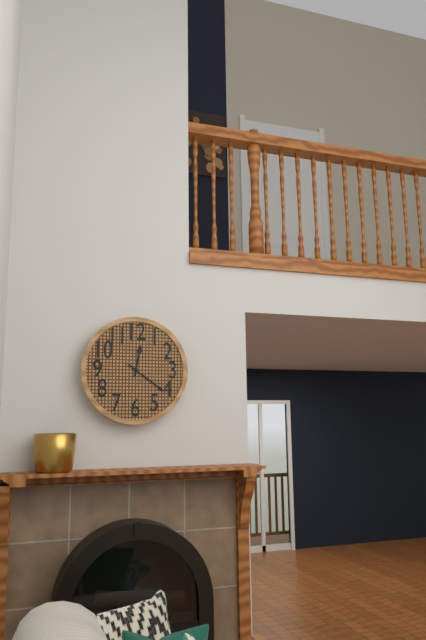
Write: 12:21
